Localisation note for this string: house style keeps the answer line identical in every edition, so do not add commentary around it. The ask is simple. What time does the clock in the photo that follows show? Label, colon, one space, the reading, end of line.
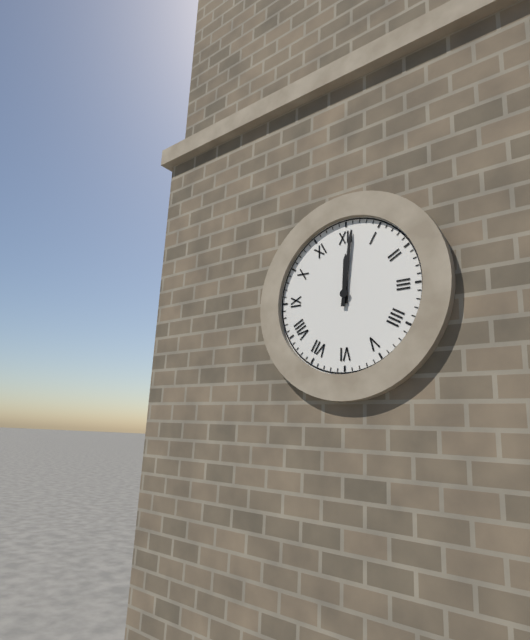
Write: 12:01
